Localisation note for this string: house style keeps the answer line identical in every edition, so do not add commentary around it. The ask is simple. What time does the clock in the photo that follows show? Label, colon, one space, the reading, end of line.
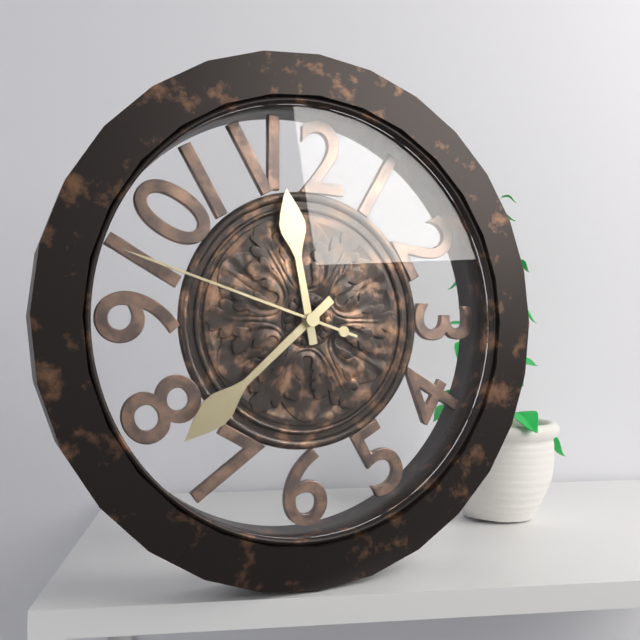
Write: 11:38:48
